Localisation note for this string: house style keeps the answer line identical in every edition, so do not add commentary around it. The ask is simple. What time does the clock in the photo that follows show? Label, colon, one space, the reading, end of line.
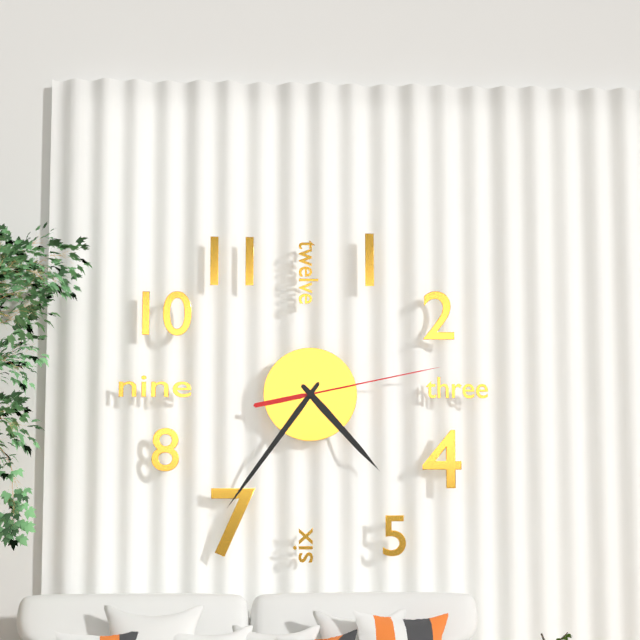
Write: 4:36:13
